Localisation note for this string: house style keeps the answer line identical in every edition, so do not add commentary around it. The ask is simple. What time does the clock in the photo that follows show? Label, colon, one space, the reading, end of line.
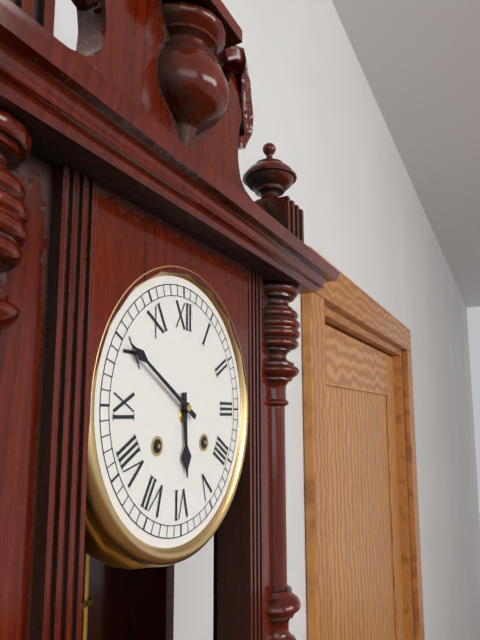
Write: 5:50
